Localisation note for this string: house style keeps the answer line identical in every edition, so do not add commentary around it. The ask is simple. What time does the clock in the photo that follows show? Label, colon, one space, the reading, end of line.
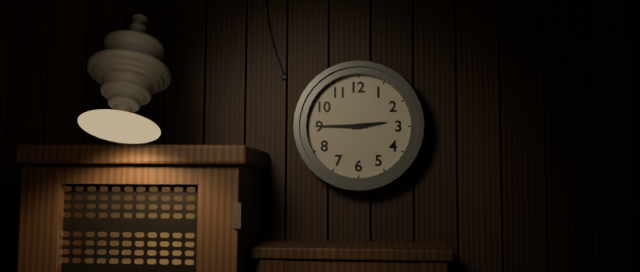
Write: 2:45
